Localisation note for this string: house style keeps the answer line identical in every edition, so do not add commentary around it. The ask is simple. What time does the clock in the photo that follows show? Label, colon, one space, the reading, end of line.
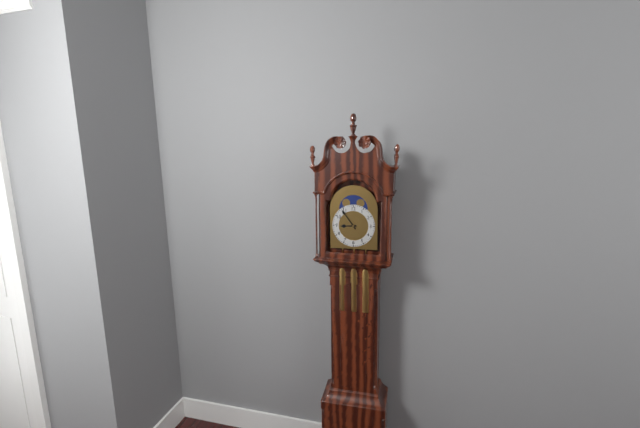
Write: 8:54
